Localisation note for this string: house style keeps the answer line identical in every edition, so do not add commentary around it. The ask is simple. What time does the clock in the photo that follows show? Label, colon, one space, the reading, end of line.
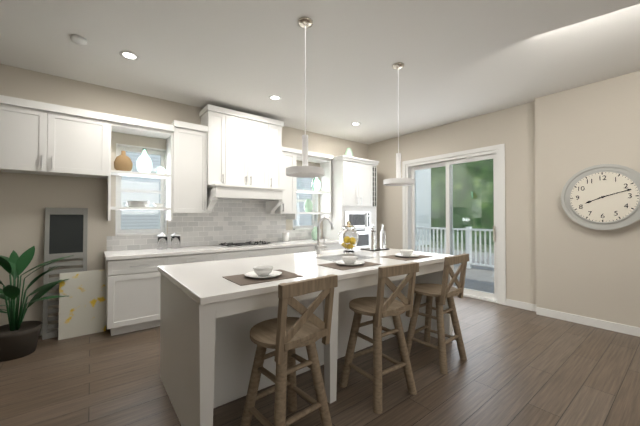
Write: 8:12
